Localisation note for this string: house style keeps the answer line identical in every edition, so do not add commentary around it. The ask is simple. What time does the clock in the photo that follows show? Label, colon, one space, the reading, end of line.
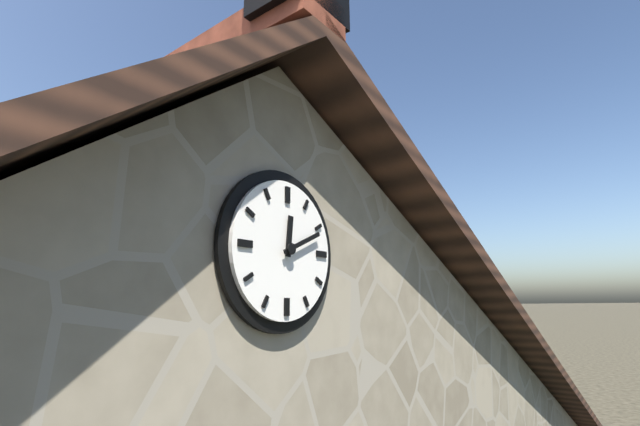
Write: 12:11
